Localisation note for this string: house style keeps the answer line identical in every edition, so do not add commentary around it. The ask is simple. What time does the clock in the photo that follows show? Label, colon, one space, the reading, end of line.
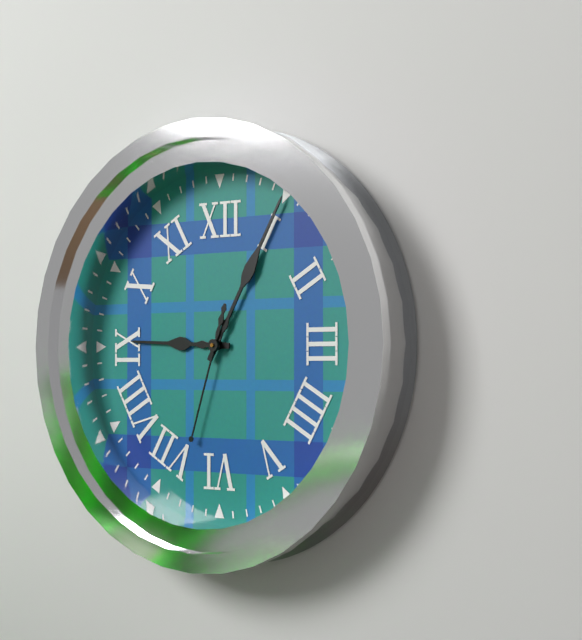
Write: 9:05:33
